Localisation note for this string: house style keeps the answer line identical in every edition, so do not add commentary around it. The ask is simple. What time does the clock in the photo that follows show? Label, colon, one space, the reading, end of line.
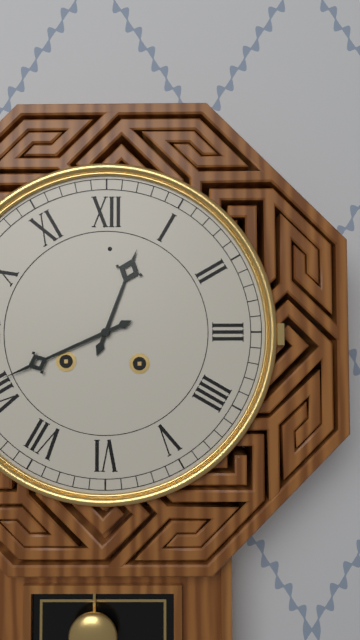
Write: 12:41
